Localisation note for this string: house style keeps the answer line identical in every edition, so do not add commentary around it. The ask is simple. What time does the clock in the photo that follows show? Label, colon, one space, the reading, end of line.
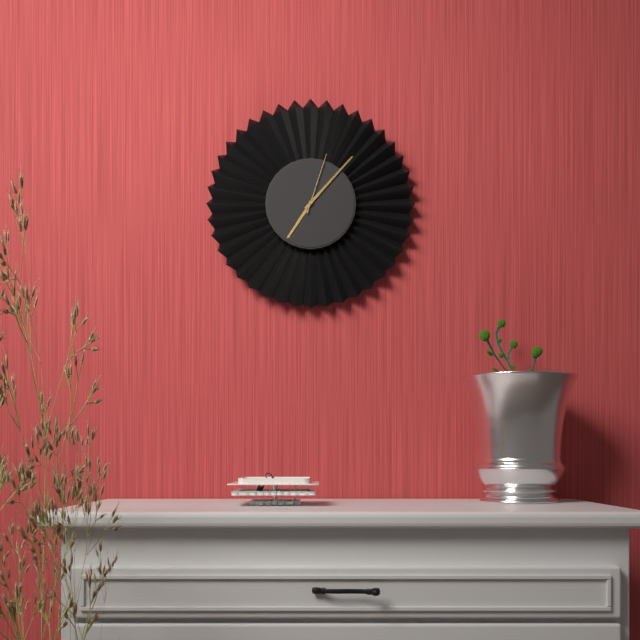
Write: 7:07:03
